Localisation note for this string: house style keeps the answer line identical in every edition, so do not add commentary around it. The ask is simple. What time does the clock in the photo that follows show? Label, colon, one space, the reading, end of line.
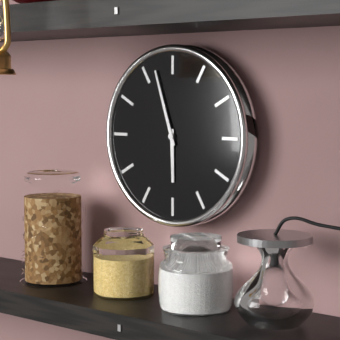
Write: 5:57
